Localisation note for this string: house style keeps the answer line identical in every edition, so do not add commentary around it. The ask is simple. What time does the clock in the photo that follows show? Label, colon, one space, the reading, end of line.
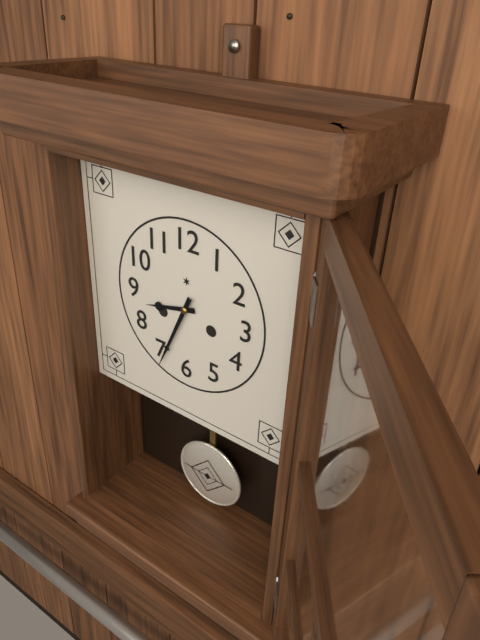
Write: 8:34
